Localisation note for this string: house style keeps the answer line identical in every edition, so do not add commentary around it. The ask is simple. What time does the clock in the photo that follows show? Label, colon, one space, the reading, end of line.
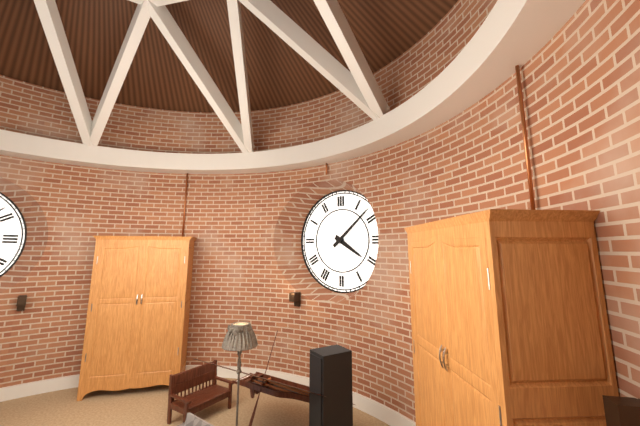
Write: 4:08
